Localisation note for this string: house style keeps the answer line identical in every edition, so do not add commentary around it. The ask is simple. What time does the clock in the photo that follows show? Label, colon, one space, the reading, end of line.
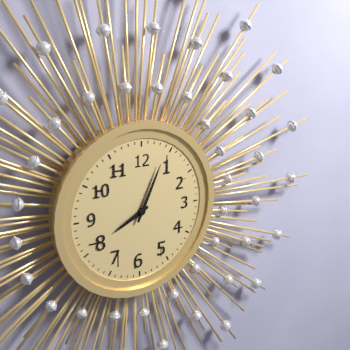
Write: 8:04
